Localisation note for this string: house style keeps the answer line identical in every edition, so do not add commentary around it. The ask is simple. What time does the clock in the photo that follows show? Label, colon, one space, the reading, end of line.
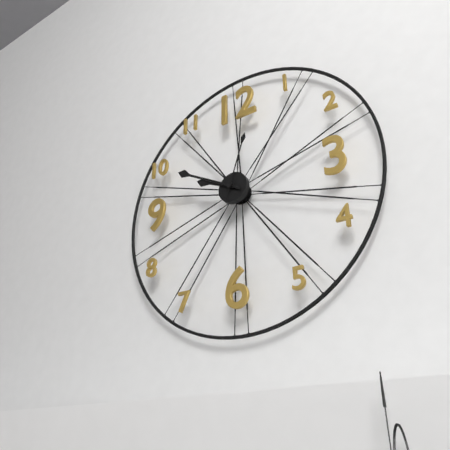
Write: 9:50:03
